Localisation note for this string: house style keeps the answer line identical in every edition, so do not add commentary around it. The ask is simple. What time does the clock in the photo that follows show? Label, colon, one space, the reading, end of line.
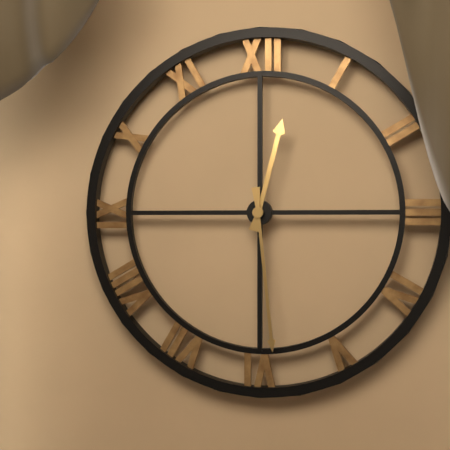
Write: 12:29
